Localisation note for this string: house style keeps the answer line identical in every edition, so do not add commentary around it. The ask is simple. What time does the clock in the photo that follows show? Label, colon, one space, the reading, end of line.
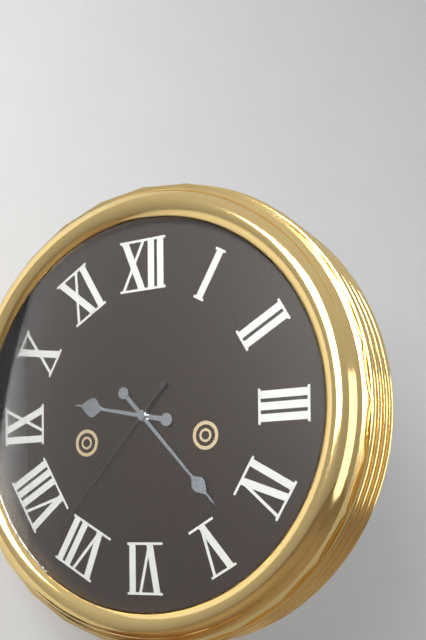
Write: 9:23:37
